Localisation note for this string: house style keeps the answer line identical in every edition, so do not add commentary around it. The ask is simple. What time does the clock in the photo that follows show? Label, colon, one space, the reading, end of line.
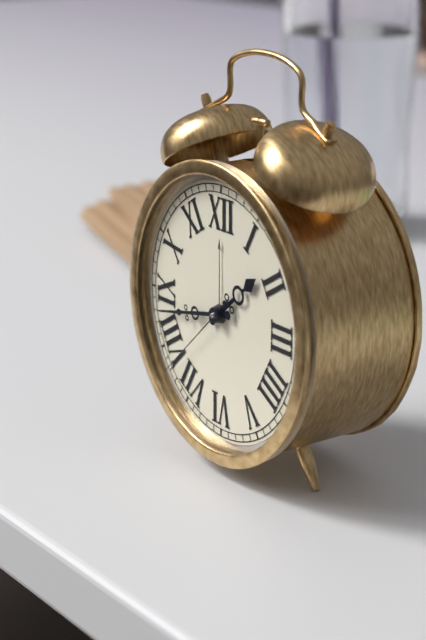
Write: 1:43:38
